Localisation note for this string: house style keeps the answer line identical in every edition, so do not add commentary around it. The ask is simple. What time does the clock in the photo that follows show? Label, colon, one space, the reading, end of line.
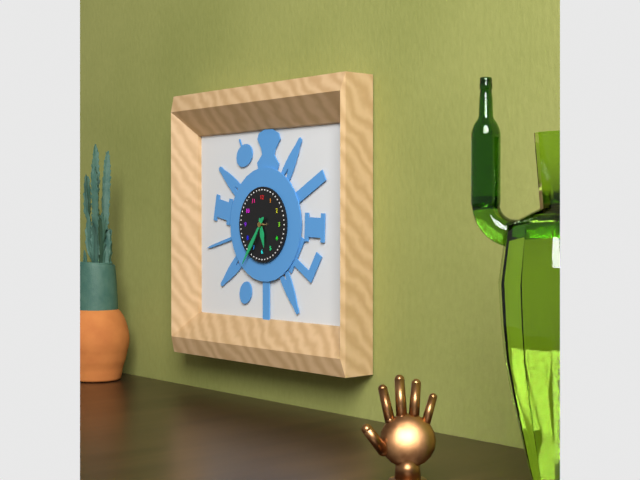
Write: 5:36
